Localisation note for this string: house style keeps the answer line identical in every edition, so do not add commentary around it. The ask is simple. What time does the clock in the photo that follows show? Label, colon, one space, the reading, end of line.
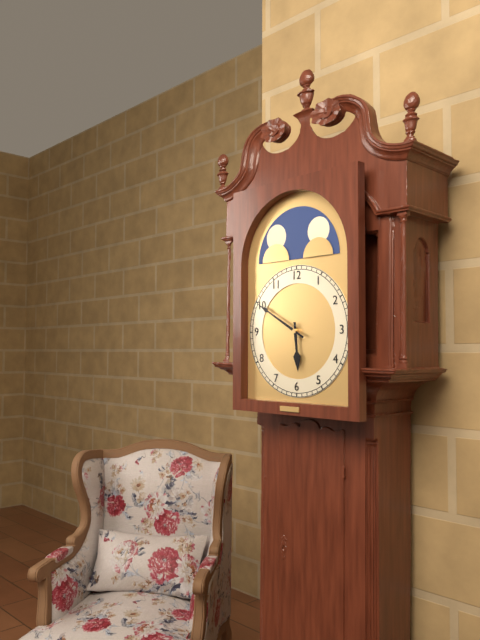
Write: 5:50
